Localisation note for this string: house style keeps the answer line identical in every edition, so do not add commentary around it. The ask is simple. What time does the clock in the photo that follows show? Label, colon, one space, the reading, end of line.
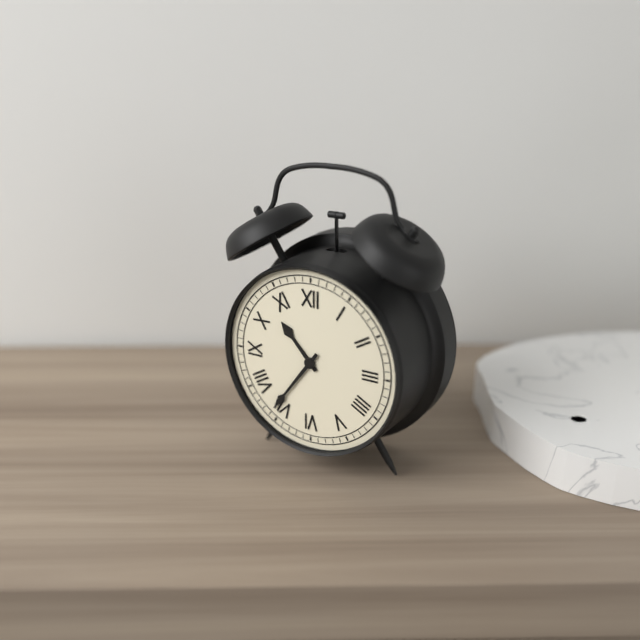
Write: 10:36
